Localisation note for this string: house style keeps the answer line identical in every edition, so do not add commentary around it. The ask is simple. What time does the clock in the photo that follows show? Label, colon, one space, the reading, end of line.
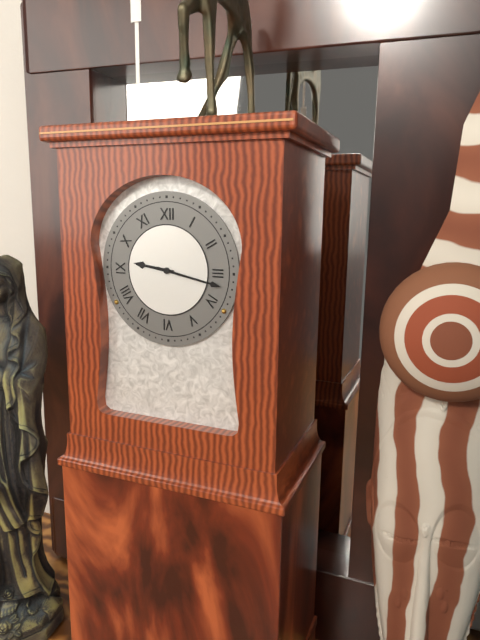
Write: 9:17
